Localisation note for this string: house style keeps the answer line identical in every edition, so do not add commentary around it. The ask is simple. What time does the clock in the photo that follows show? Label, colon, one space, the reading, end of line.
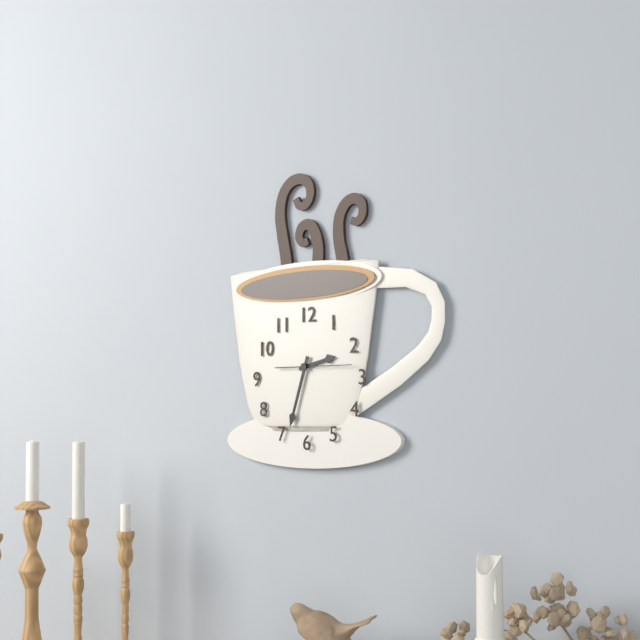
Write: 2:33:15
